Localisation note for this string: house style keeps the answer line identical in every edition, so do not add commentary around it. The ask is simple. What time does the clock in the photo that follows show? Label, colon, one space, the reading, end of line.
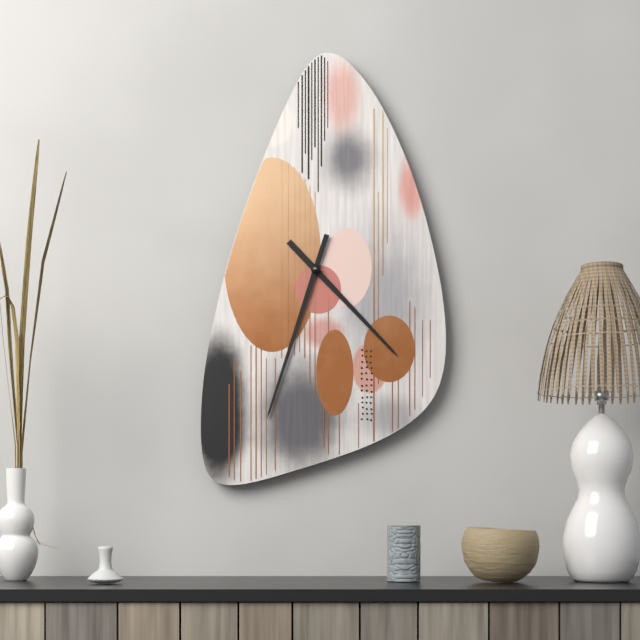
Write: 4:33
